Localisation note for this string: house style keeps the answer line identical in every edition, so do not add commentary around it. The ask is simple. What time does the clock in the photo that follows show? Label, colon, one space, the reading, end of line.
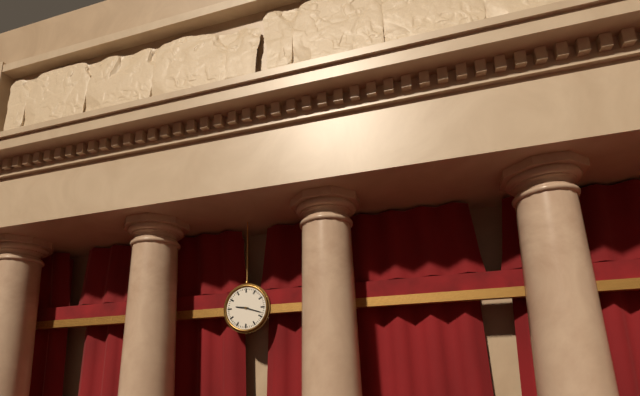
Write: 9:18
